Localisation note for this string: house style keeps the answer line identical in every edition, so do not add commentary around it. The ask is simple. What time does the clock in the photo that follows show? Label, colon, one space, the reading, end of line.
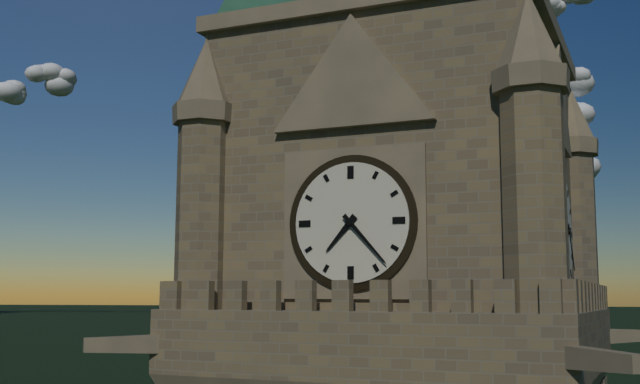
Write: 7:23
